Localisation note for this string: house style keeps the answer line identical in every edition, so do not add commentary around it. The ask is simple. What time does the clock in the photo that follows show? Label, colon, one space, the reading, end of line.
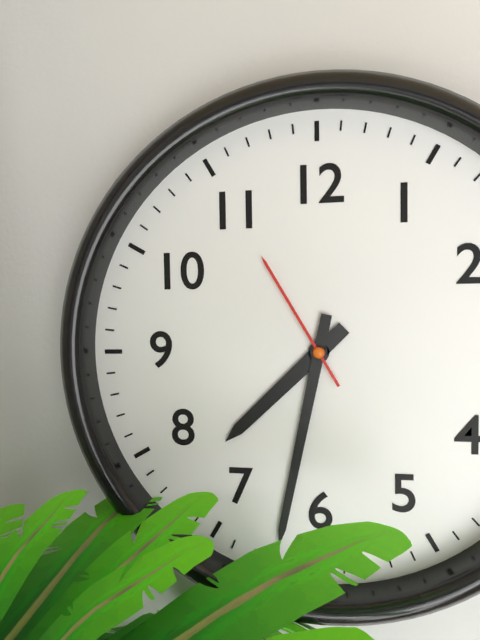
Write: 7:32:55
